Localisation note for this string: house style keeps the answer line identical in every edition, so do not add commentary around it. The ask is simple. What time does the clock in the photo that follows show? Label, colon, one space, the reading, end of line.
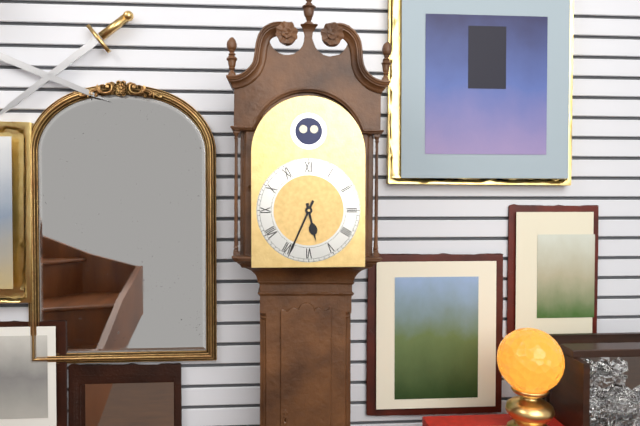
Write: 5:34
